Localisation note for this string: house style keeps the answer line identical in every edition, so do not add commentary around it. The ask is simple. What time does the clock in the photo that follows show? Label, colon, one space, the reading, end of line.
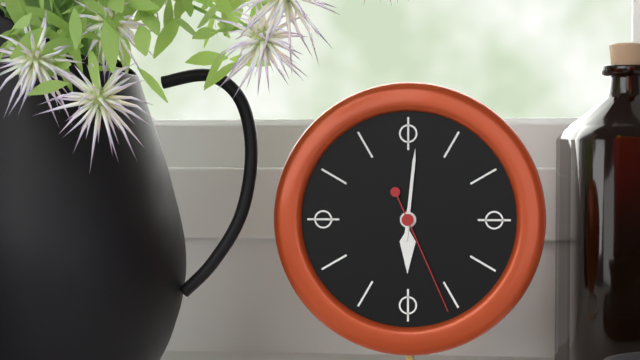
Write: 6:01:26
